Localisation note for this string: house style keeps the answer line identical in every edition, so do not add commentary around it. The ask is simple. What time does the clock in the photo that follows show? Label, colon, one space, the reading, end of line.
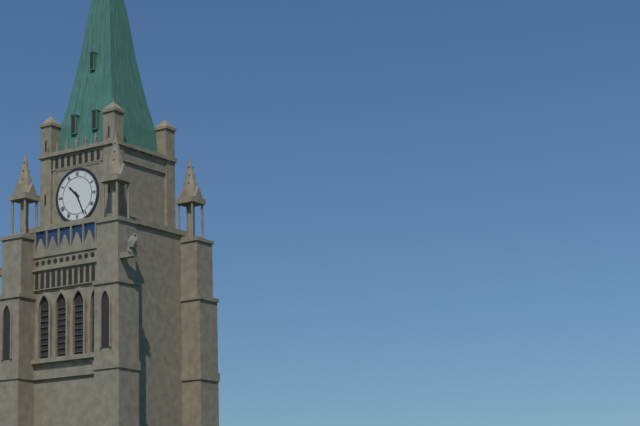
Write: 10:26
